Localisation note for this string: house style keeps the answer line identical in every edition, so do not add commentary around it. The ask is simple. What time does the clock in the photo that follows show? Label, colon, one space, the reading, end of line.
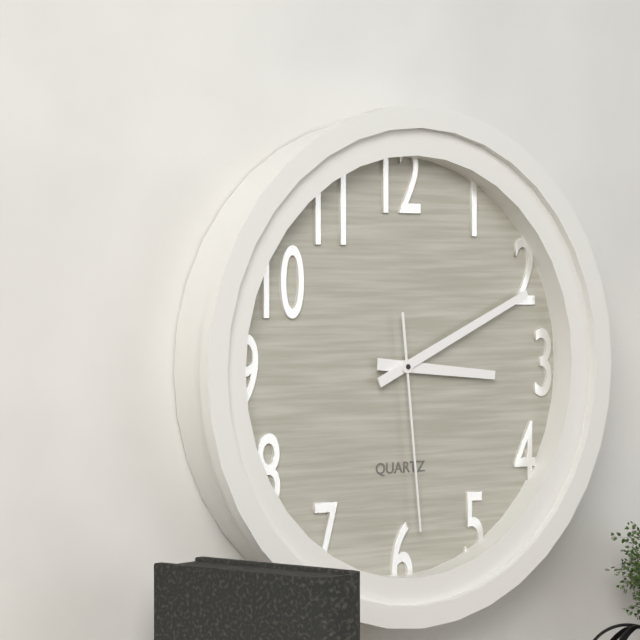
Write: 3:11:29
